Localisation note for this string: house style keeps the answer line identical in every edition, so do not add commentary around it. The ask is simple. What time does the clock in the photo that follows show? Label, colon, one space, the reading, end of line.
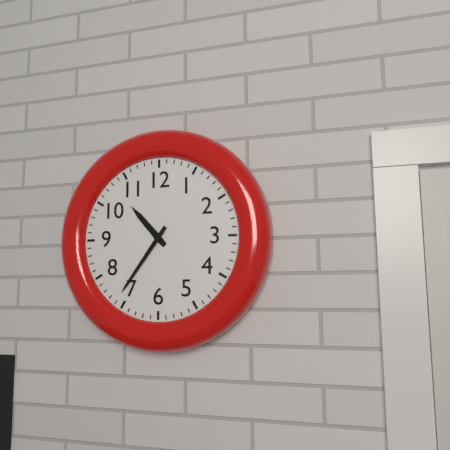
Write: 10:36
